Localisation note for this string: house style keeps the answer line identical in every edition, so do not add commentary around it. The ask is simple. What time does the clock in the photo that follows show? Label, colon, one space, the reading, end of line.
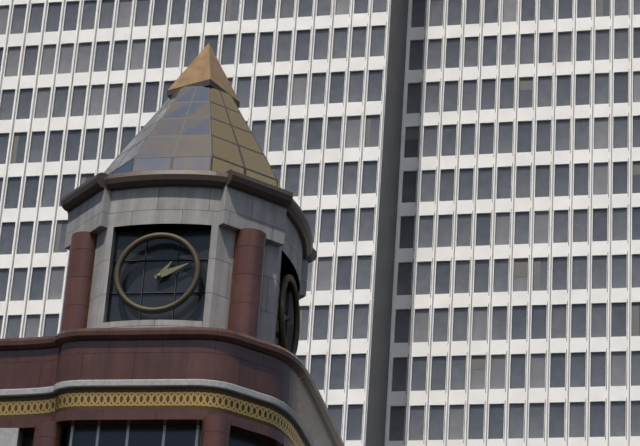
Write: 1:11
